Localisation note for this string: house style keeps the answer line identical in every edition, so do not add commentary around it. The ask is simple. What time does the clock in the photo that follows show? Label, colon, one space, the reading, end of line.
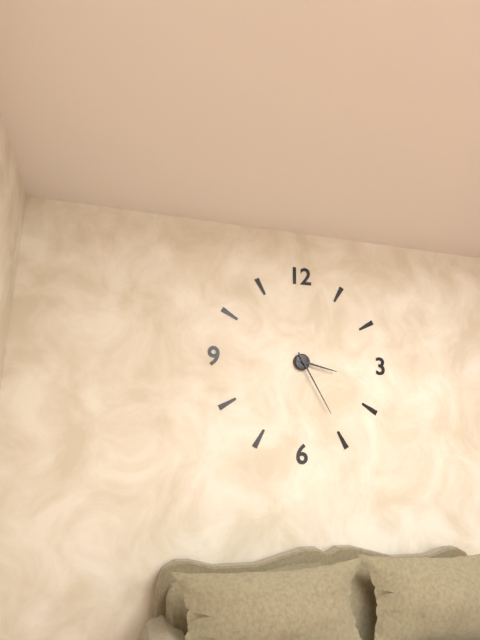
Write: 3:25
